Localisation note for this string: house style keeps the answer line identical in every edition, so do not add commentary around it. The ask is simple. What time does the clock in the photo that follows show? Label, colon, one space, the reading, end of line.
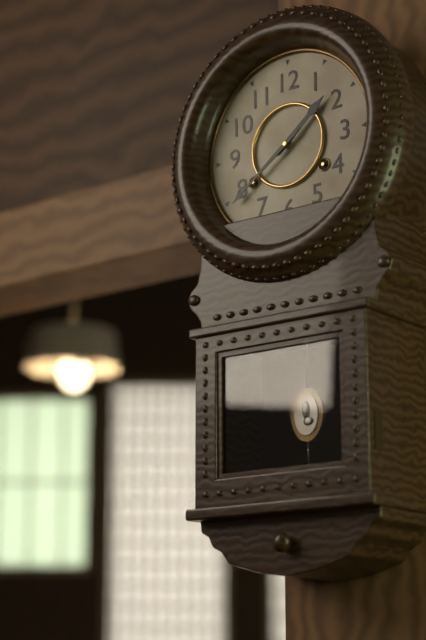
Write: 1:39
